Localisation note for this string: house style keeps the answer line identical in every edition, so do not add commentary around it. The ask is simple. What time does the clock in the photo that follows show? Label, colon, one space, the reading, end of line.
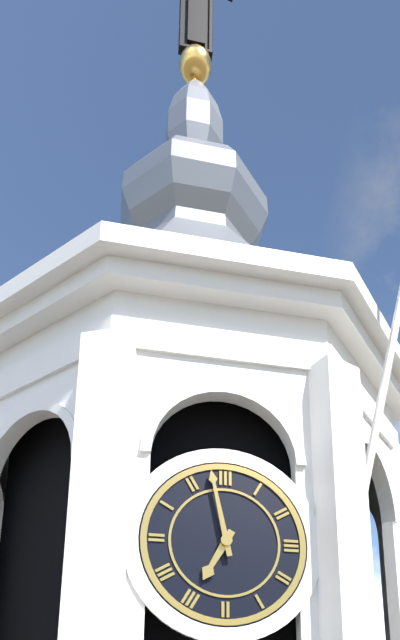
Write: 6:58
